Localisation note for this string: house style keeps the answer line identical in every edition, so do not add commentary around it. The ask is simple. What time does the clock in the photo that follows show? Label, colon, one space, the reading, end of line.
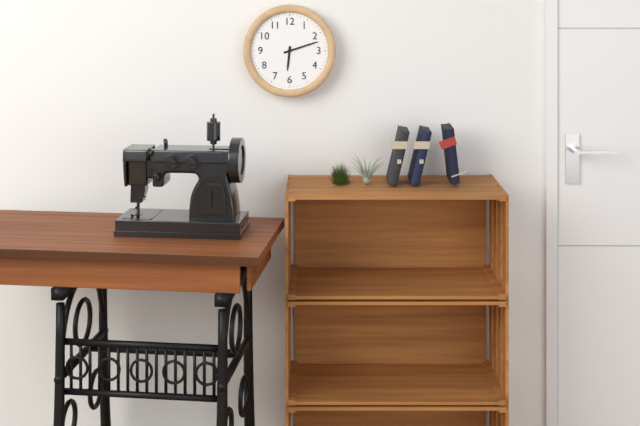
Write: 6:12
